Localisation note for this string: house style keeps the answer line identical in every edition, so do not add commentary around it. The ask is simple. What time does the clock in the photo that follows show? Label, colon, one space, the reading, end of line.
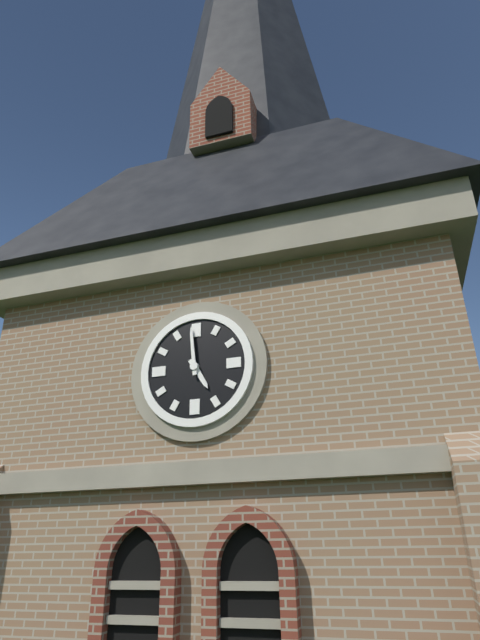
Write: 4:59
